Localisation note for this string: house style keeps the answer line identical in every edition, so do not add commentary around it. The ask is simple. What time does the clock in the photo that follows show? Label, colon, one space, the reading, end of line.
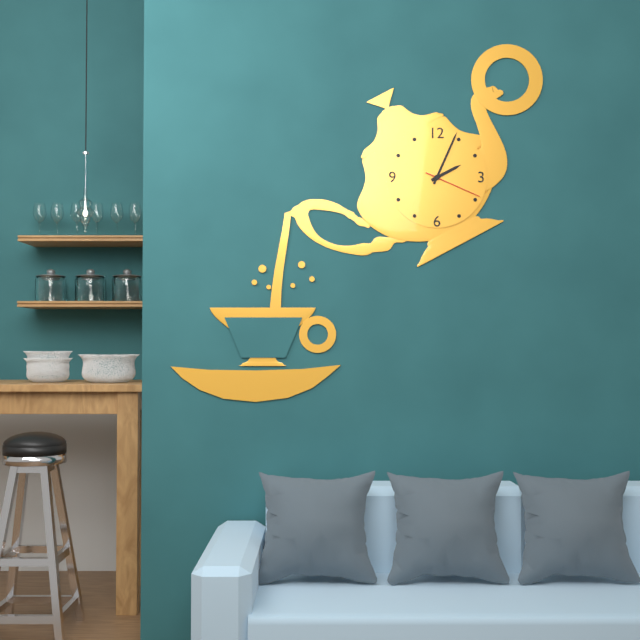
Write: 2:04:19
